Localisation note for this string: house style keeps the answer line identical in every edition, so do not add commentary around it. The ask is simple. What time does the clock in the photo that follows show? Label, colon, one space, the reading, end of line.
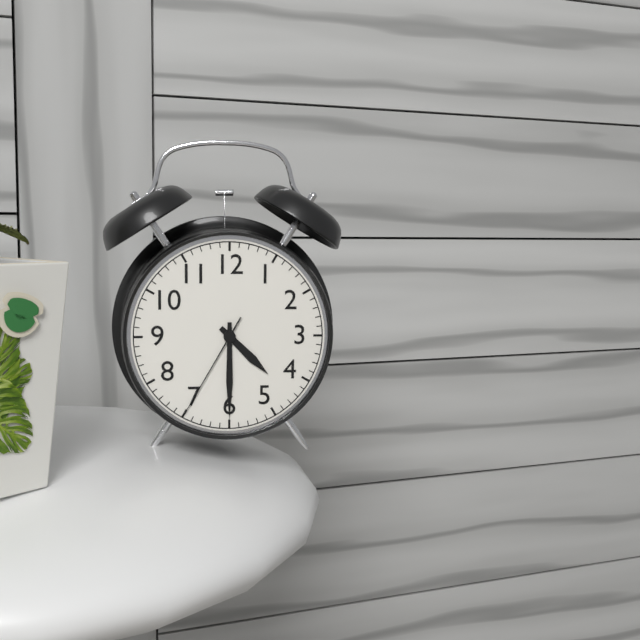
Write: 4:30:35
